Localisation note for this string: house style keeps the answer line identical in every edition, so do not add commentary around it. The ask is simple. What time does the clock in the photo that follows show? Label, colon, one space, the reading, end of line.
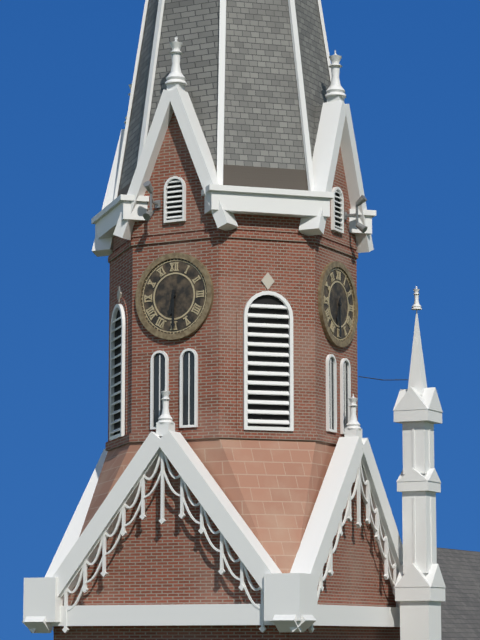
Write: 6:30
